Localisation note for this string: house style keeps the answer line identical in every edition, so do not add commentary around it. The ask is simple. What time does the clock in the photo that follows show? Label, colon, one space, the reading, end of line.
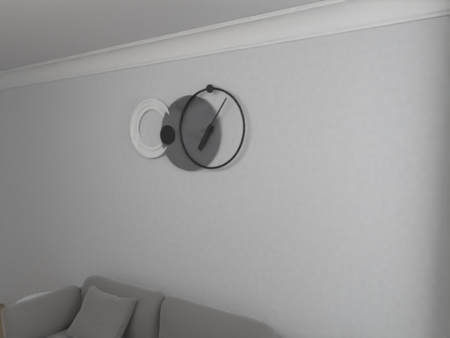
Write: 7:06
